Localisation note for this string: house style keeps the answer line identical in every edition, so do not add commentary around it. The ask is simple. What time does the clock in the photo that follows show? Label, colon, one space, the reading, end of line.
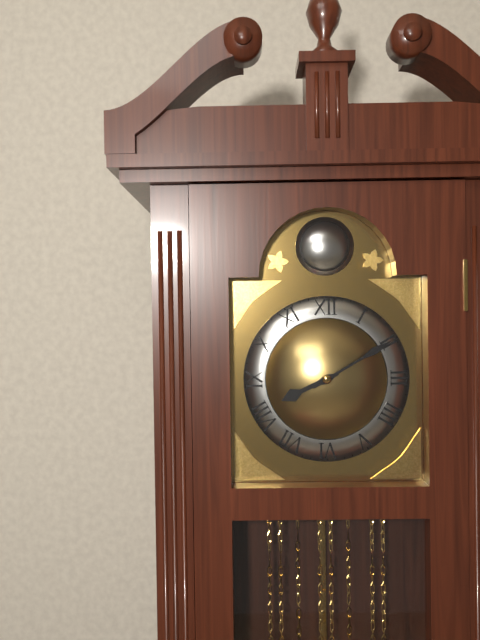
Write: 8:10
